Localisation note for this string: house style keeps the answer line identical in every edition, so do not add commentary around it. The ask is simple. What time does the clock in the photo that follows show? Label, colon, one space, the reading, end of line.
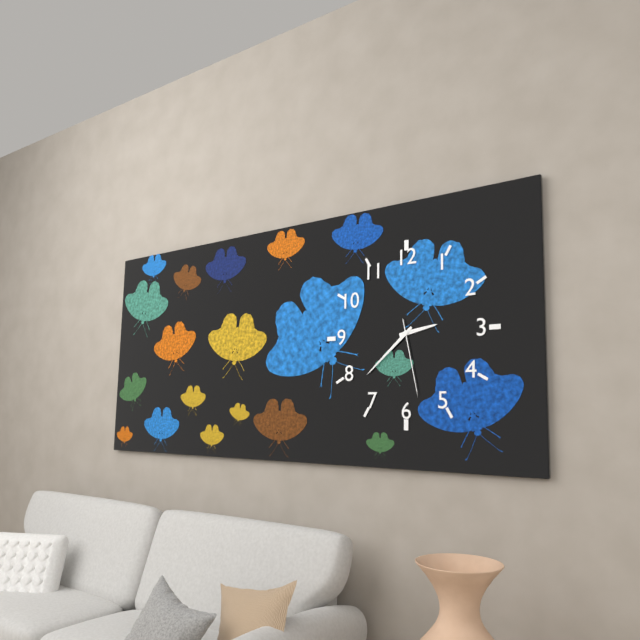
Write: 2:38:28
